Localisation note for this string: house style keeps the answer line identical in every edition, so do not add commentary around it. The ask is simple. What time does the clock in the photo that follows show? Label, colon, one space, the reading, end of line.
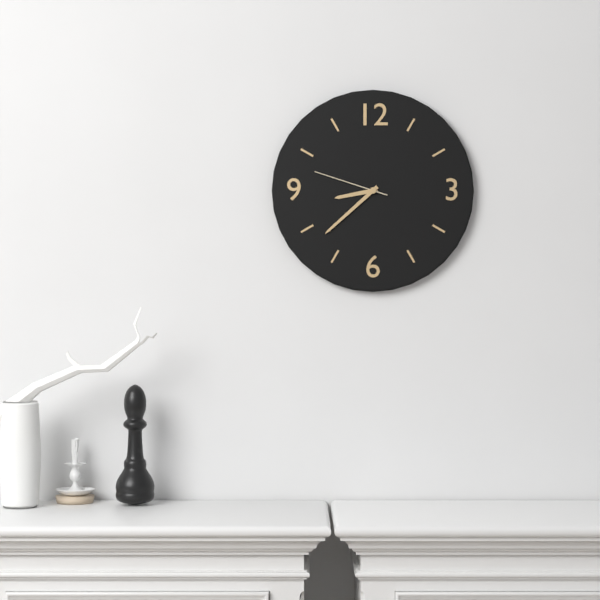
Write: 8:38:48
